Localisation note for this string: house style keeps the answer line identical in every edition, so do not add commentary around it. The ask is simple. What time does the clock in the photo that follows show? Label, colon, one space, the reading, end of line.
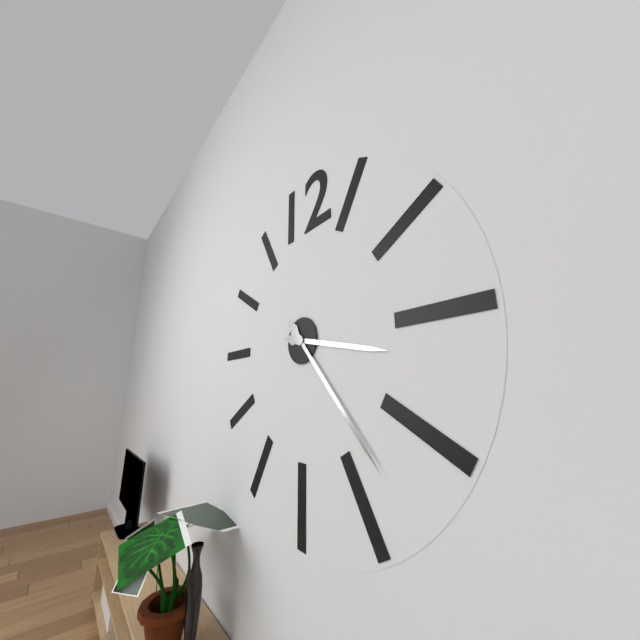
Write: 3:23
